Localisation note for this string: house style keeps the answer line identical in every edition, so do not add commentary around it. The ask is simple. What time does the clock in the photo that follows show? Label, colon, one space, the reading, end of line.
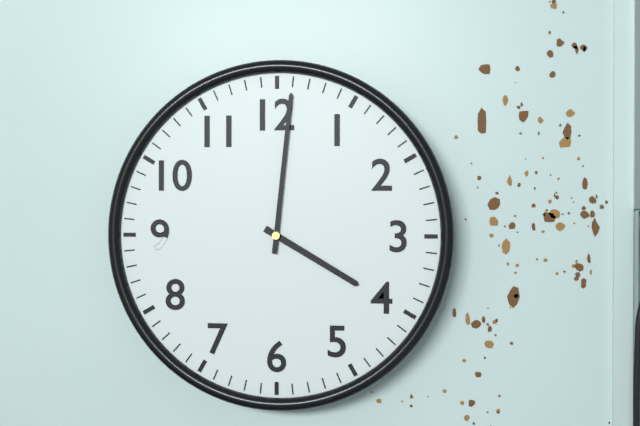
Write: 4:01
